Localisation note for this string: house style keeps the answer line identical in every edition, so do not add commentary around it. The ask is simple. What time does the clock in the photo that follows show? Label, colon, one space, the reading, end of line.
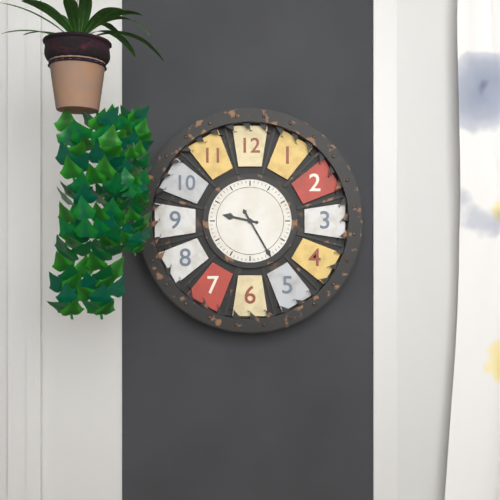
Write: 9:25
